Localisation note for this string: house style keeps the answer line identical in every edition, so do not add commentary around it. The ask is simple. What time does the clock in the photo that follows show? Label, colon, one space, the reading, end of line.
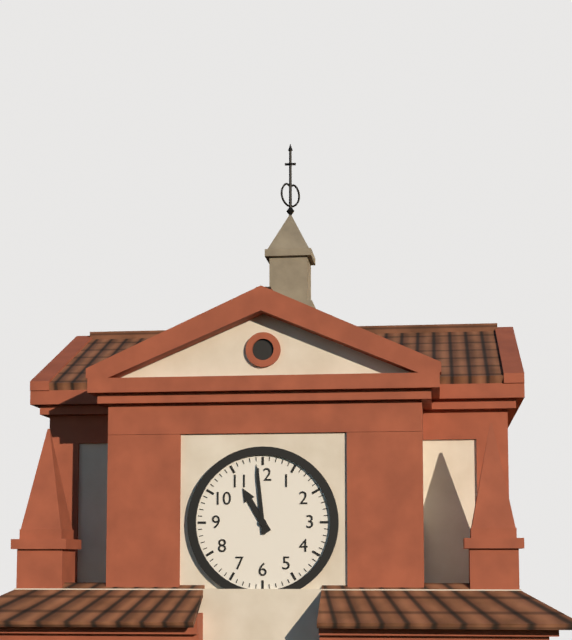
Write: 10:59
